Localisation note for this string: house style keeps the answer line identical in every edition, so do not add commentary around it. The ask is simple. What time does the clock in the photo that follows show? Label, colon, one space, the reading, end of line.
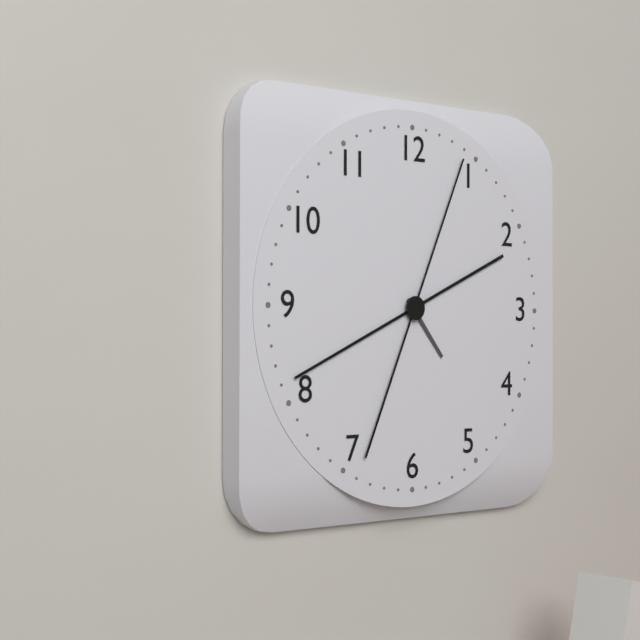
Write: 4:41:04
